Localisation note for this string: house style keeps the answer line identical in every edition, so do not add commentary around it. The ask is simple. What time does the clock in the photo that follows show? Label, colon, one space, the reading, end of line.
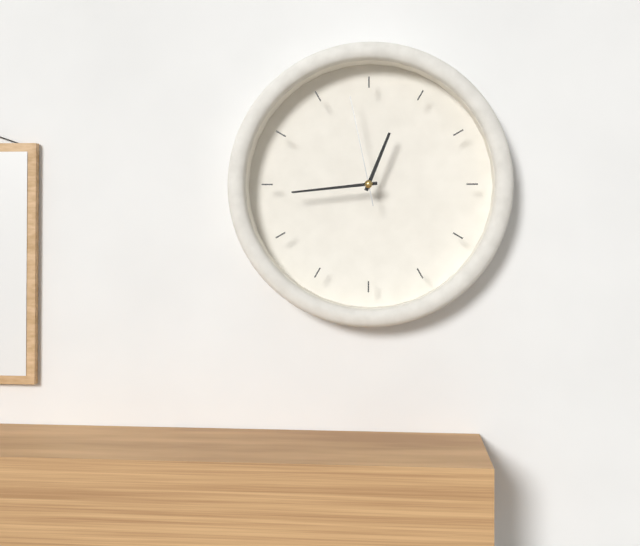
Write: 12:44:58
